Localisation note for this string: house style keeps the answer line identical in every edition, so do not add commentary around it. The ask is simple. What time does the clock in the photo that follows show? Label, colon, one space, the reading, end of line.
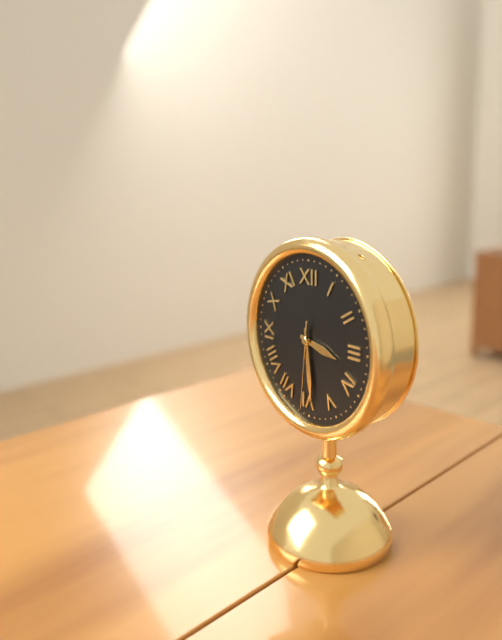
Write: 3:29:31
